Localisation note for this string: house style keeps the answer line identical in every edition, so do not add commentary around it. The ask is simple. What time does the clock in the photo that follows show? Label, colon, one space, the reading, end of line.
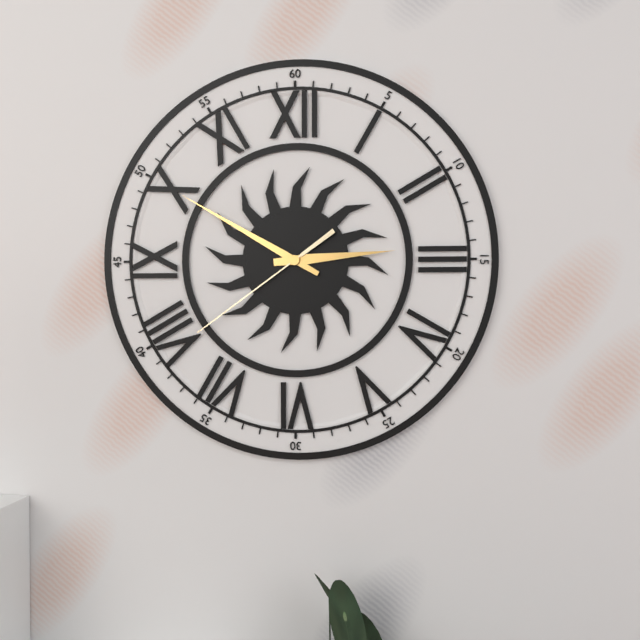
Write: 2:50:39
